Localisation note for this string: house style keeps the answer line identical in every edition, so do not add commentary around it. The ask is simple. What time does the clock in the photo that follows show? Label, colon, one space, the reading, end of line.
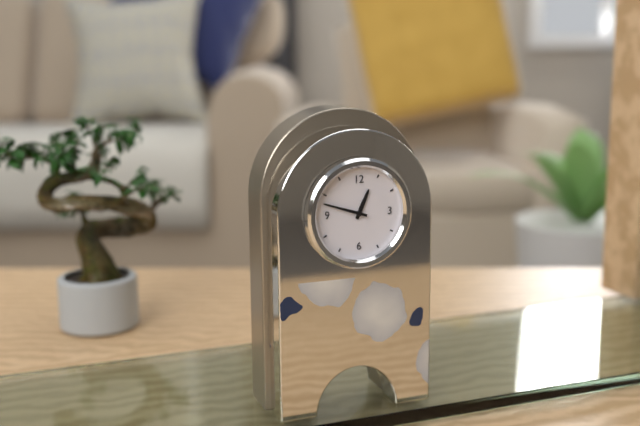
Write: 12:48
